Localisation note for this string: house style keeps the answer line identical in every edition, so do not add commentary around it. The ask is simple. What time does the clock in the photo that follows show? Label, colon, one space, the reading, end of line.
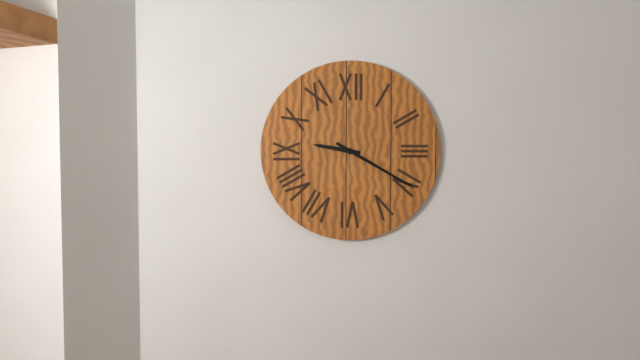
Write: 9:20
